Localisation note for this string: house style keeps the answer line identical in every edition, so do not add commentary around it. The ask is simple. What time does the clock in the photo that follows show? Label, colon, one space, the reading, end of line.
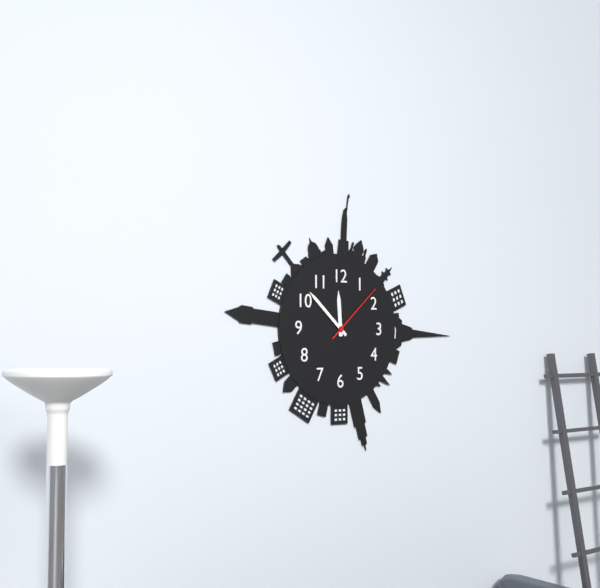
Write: 11:52:08
